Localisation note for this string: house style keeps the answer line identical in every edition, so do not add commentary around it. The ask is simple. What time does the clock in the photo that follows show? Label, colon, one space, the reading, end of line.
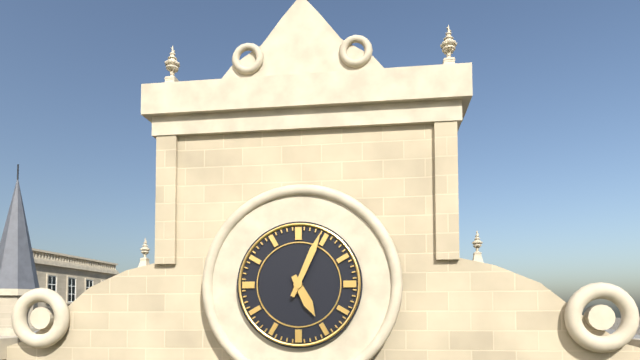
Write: 5:04
